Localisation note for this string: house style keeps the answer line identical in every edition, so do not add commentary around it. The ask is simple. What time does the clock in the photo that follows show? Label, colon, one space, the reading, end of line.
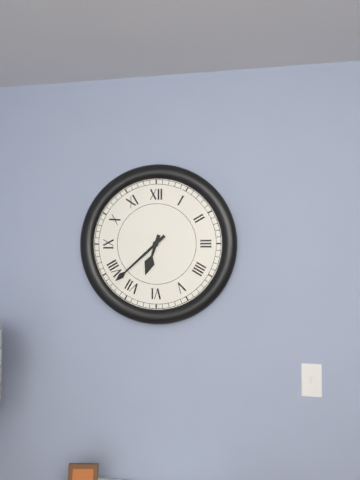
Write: 6:38
